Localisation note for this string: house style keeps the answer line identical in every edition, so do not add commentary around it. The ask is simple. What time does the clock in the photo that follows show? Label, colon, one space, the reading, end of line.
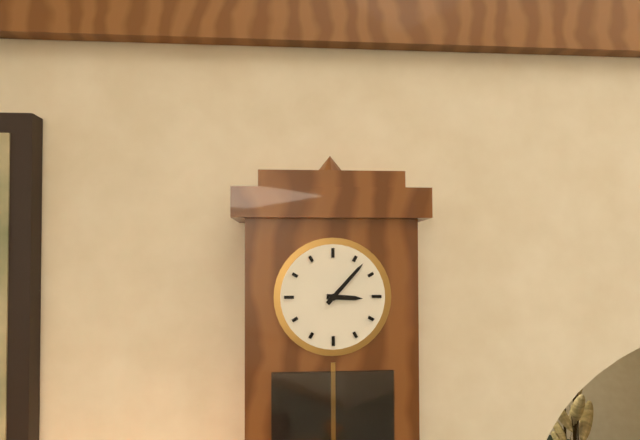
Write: 3:07
